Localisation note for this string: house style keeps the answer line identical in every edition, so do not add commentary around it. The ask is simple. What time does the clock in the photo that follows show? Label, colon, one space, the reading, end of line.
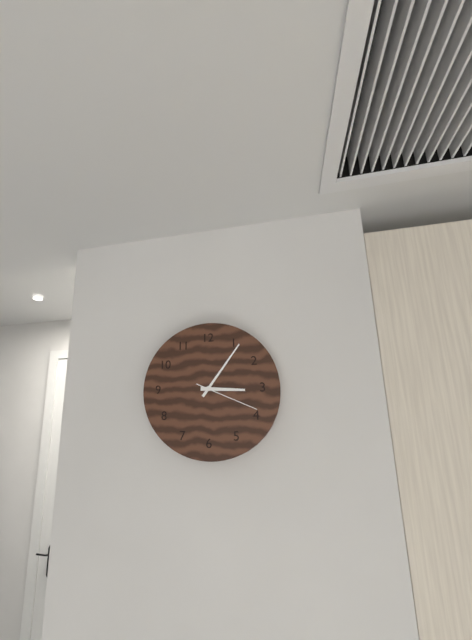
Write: 3:06:19
